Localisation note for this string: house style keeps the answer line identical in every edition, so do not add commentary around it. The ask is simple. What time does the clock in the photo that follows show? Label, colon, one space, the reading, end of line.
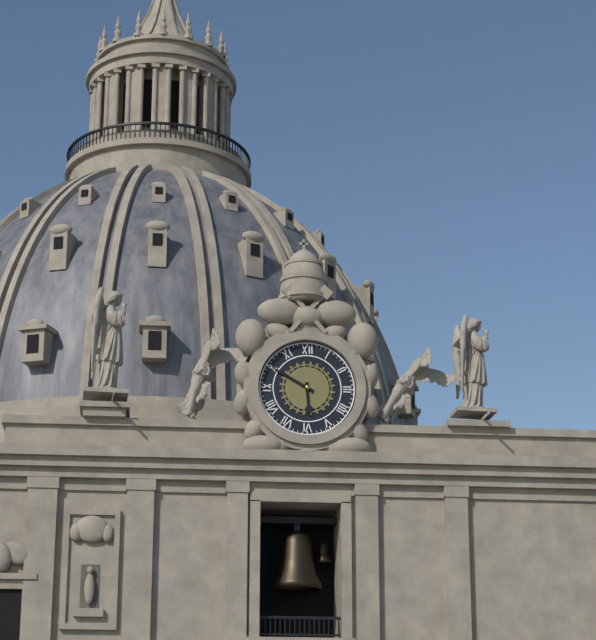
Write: 5:50
